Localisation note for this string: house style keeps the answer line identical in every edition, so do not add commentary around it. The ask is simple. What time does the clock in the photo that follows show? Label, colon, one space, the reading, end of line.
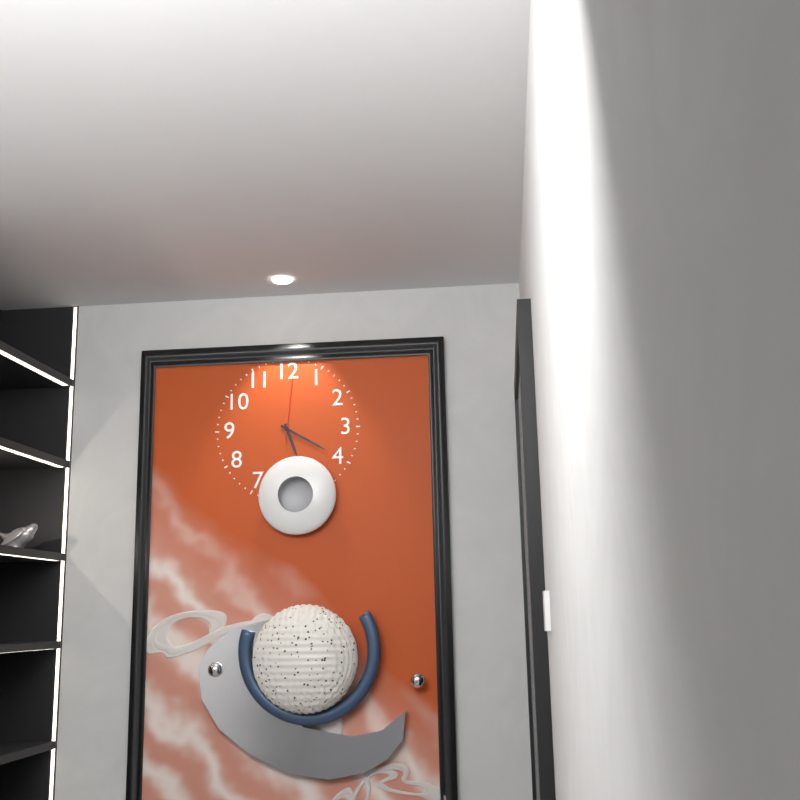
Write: 5:20:01
